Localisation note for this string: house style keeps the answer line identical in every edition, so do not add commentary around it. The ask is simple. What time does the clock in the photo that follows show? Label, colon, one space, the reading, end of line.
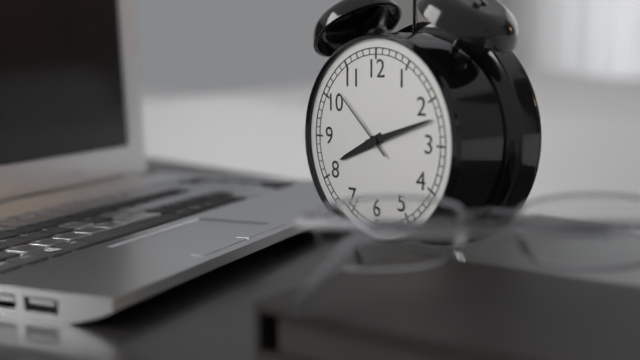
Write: 8:12:52
